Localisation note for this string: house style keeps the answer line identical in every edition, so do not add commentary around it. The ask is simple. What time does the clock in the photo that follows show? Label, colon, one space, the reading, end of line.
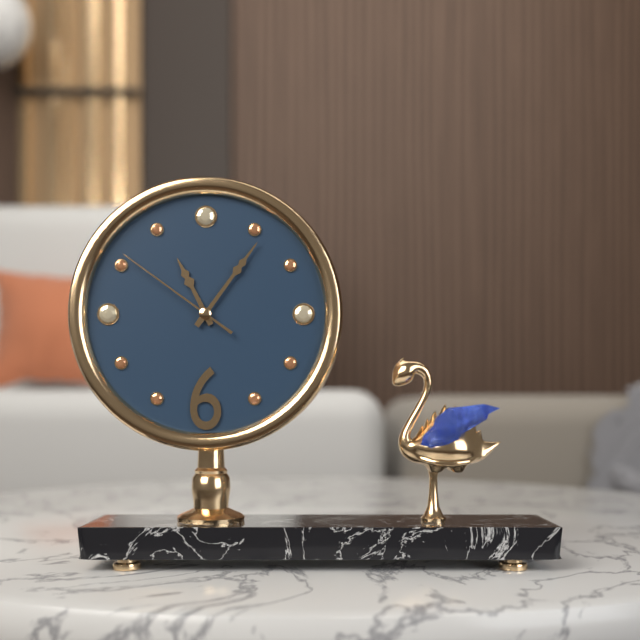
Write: 11:06:51
